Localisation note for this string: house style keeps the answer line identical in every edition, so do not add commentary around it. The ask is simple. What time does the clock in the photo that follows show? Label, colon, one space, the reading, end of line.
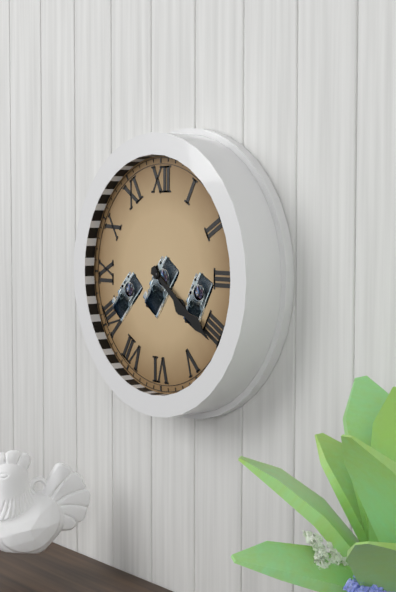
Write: 4:21
